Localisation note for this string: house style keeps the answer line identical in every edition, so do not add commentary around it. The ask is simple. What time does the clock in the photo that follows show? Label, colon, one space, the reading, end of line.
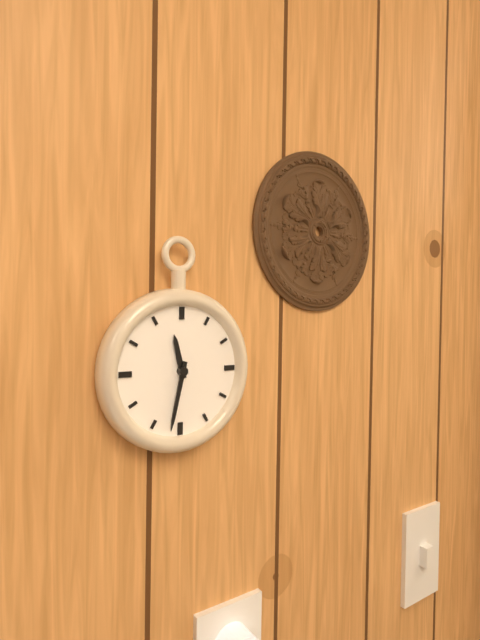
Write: 11:32
